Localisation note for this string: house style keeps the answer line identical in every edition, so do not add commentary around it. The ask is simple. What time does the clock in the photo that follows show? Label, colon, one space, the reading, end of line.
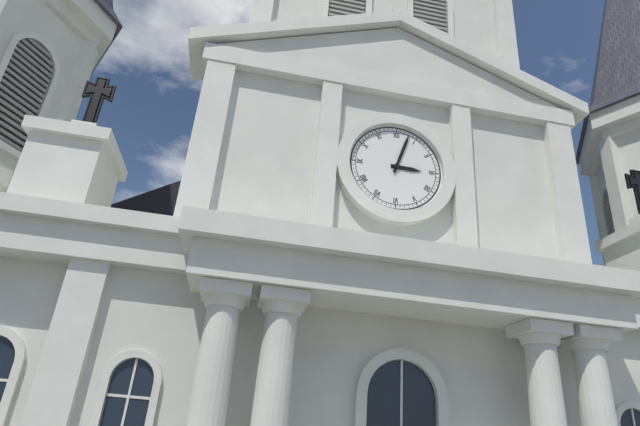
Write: 3:03
